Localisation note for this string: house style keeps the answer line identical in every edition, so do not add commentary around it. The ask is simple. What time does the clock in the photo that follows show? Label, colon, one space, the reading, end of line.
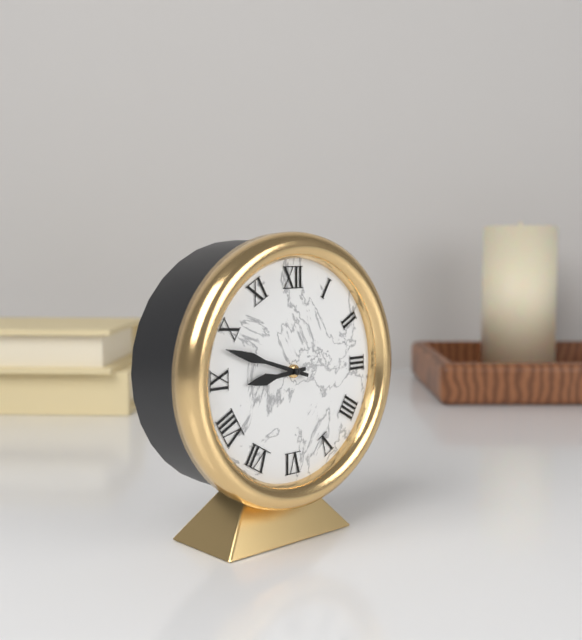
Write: 8:48
